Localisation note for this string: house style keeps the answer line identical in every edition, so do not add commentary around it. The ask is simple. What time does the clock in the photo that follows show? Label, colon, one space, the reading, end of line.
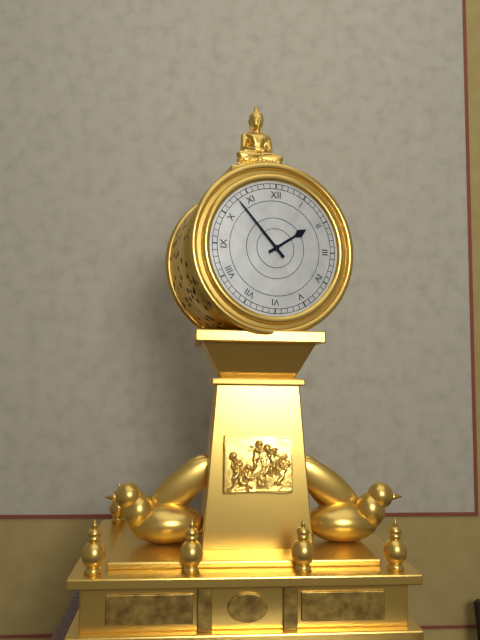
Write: 1:53
